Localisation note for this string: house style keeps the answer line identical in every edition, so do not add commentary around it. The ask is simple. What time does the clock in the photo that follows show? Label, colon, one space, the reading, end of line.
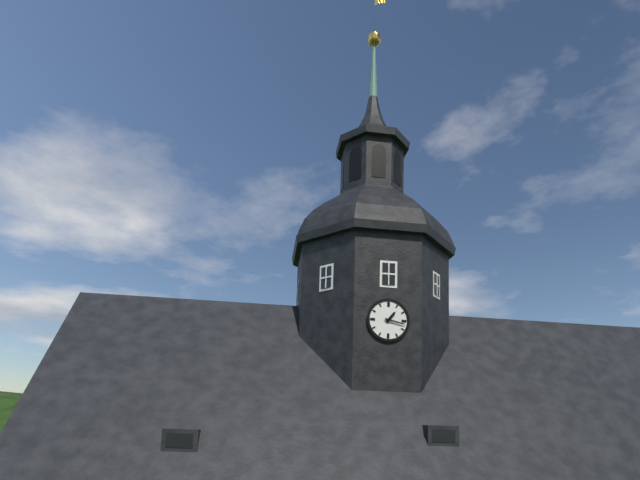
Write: 1:17
